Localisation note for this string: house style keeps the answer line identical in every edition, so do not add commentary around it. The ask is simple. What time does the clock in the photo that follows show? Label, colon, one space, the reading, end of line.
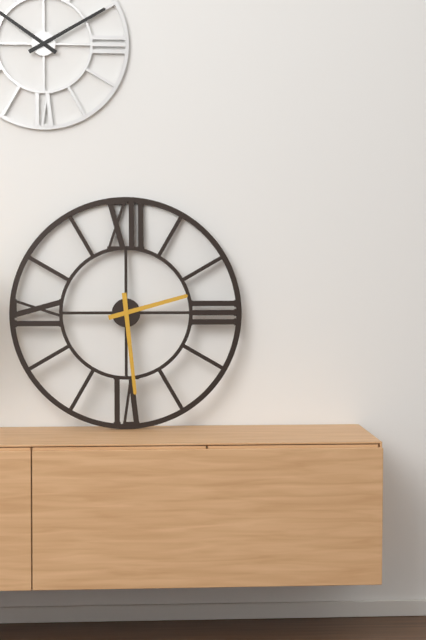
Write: 2:29
